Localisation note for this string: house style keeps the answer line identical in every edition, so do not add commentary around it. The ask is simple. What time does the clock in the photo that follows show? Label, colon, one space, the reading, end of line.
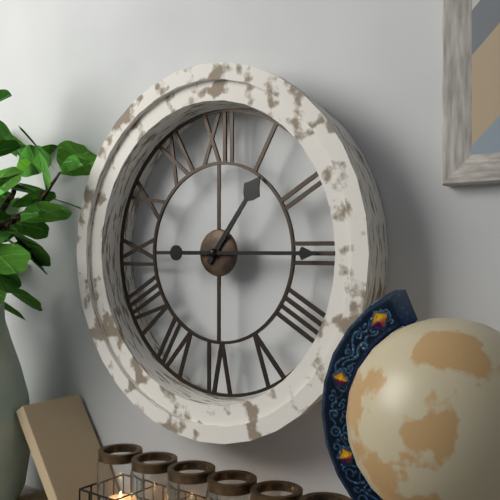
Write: 1:15
